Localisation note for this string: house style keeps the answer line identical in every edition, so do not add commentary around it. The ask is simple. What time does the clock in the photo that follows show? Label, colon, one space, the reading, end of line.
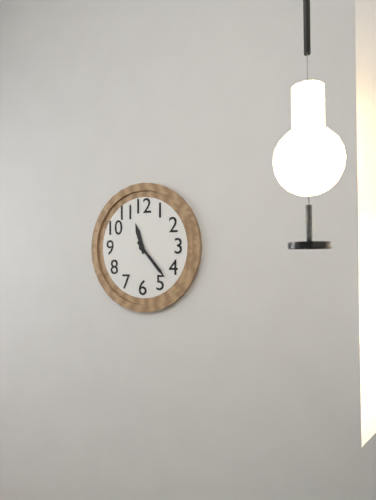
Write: 11:23
